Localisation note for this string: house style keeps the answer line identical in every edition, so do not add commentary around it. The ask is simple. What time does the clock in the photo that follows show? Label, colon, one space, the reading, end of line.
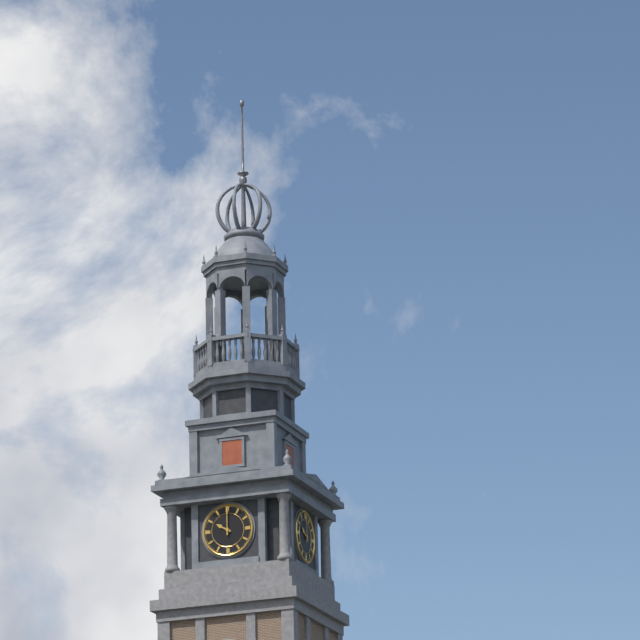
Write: 10:00
